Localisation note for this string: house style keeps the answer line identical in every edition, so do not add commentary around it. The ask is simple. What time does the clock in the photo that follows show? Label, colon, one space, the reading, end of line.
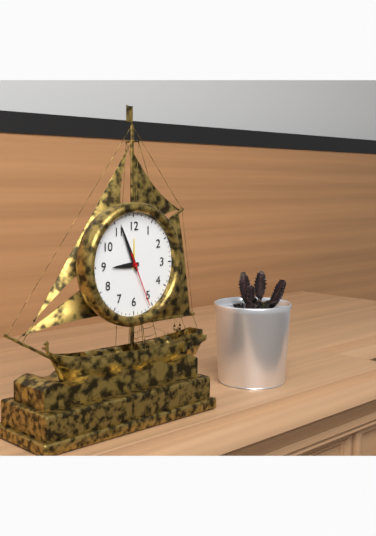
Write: 8:56:26
